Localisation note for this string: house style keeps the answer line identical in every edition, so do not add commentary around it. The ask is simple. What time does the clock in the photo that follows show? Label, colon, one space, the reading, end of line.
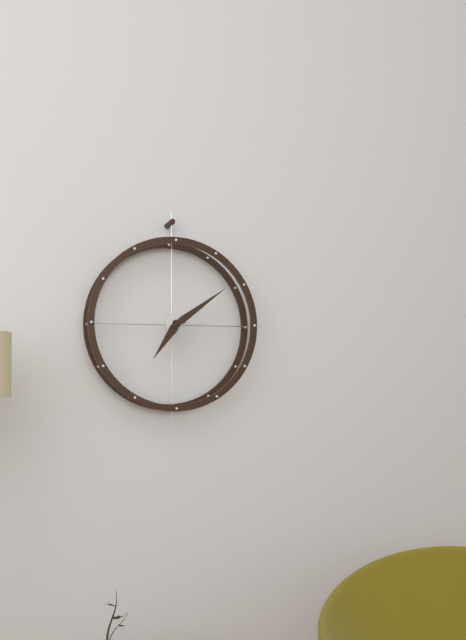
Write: 7:09
